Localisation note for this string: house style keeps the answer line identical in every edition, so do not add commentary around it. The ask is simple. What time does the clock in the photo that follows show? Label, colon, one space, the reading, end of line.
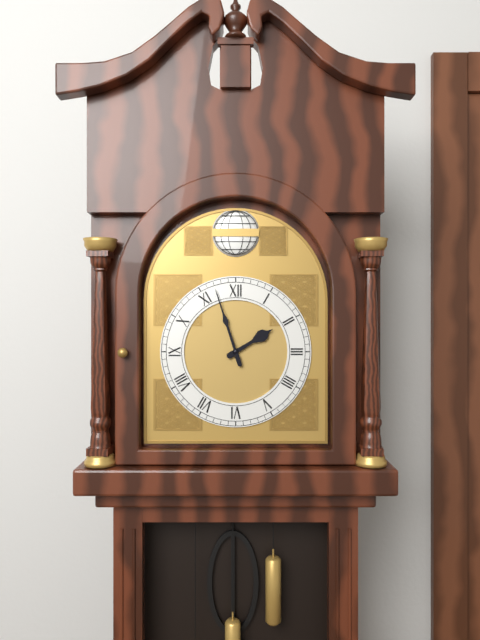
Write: 1:57
